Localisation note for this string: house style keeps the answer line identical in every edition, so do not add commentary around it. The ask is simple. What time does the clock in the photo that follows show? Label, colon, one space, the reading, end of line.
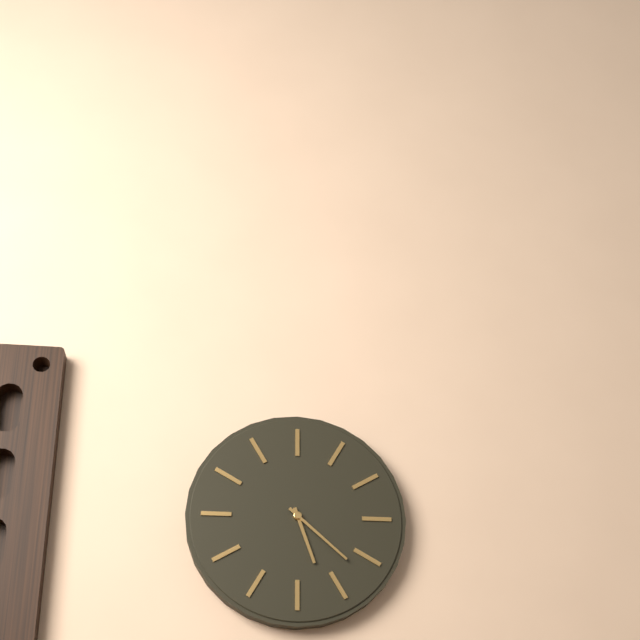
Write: 5:22
